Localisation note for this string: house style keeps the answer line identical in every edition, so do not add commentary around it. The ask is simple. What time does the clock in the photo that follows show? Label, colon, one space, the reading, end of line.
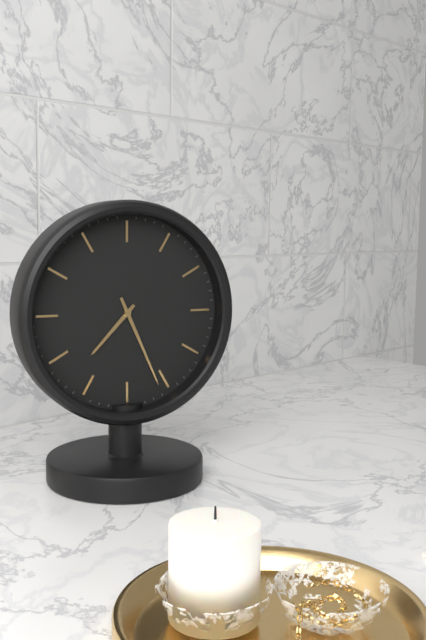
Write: 7:26
